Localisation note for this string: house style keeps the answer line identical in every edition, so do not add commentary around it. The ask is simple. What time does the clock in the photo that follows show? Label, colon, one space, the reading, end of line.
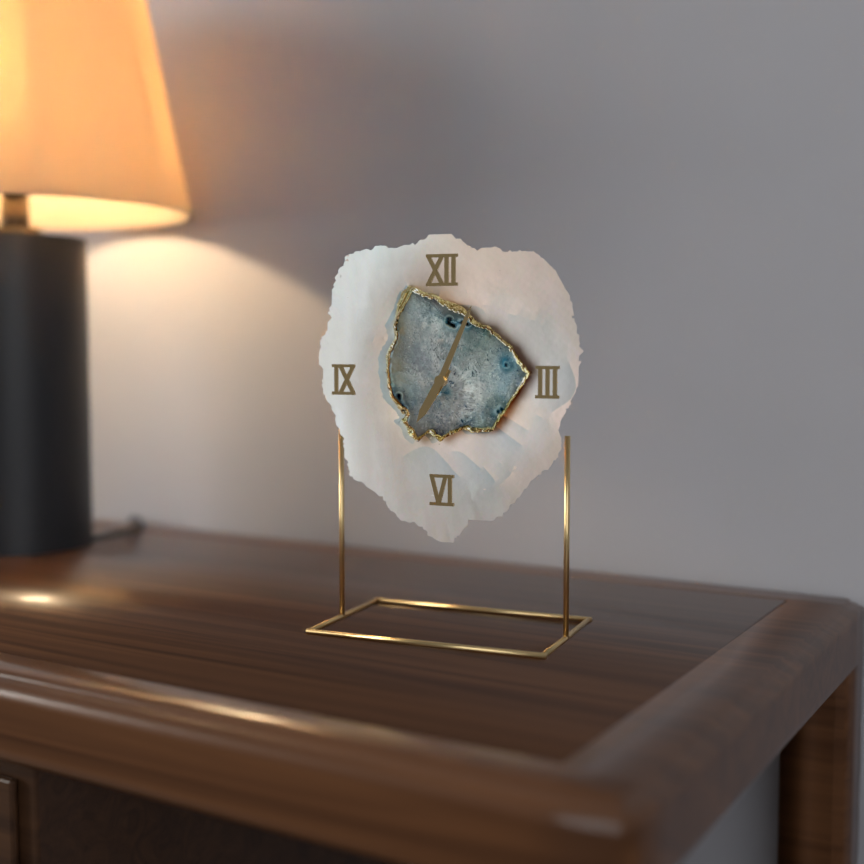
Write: 7:04
